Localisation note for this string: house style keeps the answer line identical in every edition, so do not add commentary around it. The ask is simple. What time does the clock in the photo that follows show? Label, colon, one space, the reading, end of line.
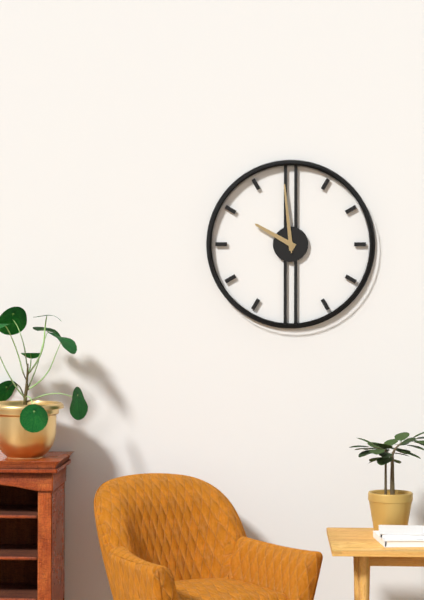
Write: 9:59:59
